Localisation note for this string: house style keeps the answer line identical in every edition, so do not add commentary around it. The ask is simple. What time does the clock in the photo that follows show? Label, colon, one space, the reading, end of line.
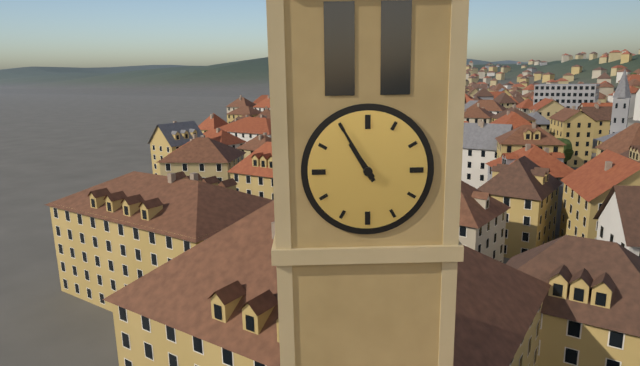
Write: 10:55
